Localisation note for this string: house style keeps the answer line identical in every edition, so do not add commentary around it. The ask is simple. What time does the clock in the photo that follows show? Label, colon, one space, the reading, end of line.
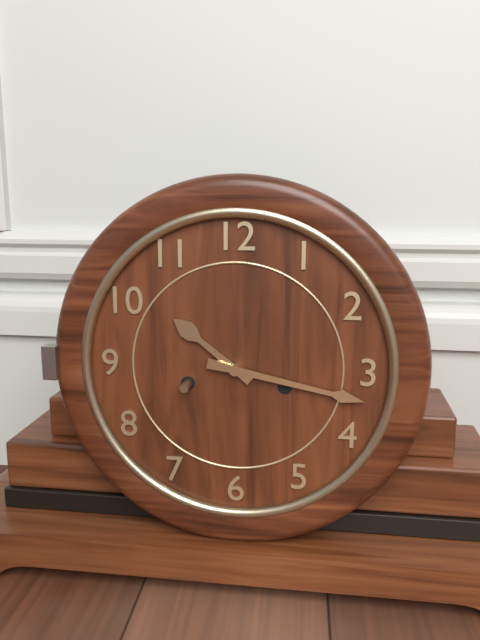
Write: 10:17
